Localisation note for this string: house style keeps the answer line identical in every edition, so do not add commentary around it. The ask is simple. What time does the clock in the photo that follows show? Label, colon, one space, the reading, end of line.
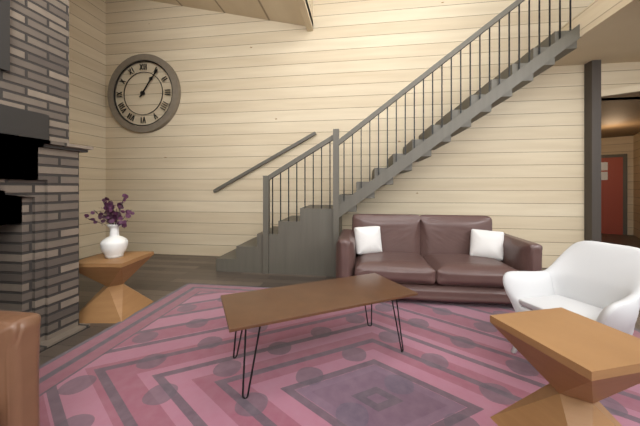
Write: 1:06
